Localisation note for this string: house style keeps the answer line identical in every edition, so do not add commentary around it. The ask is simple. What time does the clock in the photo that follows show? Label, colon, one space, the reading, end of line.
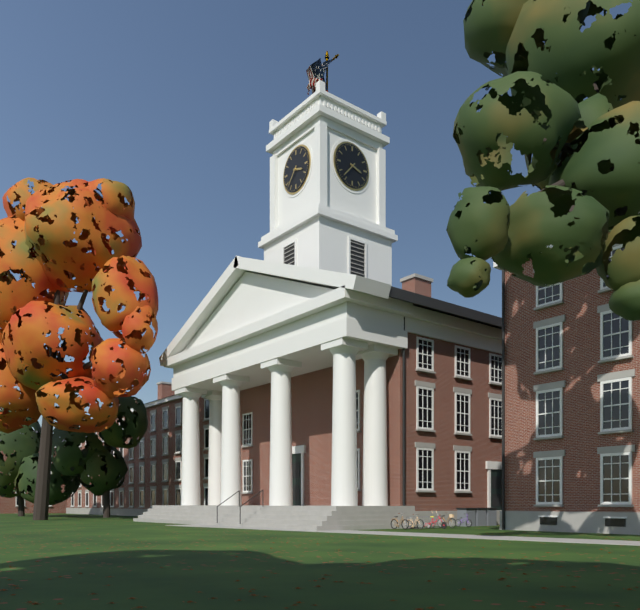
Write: 3:37
